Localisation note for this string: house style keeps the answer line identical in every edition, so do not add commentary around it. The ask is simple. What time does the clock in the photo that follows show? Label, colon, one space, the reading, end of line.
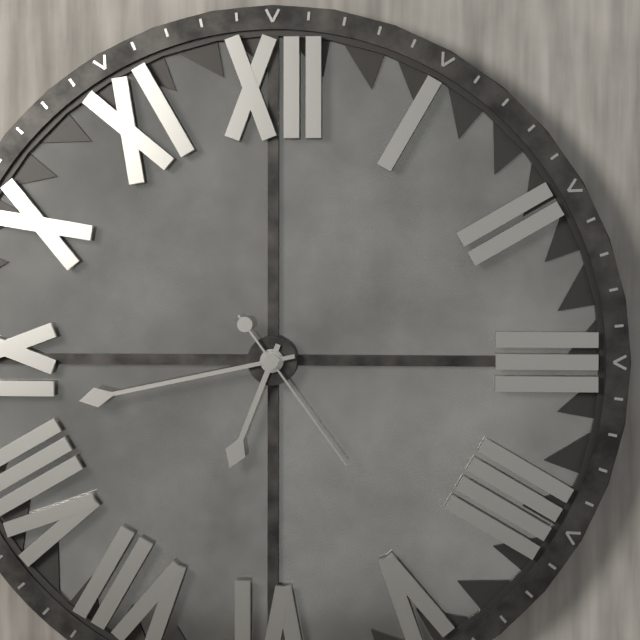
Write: 6:43:24
